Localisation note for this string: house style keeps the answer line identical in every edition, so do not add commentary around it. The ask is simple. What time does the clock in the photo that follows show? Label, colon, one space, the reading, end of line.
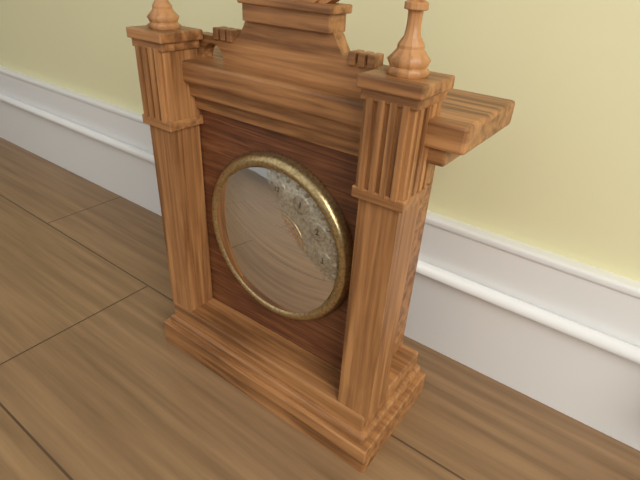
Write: 3:33
